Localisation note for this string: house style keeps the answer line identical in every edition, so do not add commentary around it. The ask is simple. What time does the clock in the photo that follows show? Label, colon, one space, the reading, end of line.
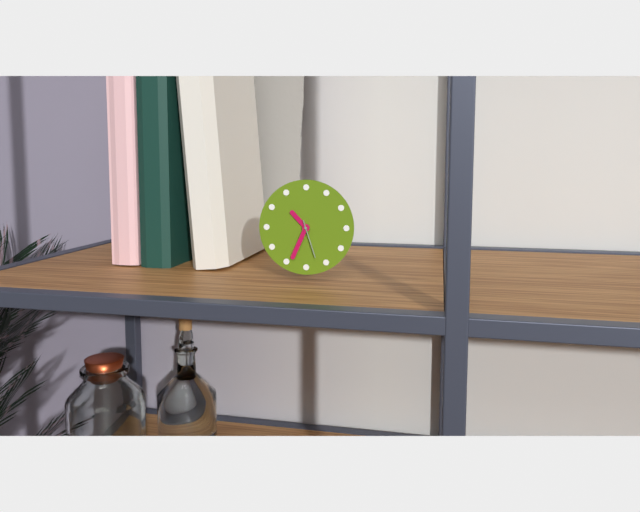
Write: 10:34
